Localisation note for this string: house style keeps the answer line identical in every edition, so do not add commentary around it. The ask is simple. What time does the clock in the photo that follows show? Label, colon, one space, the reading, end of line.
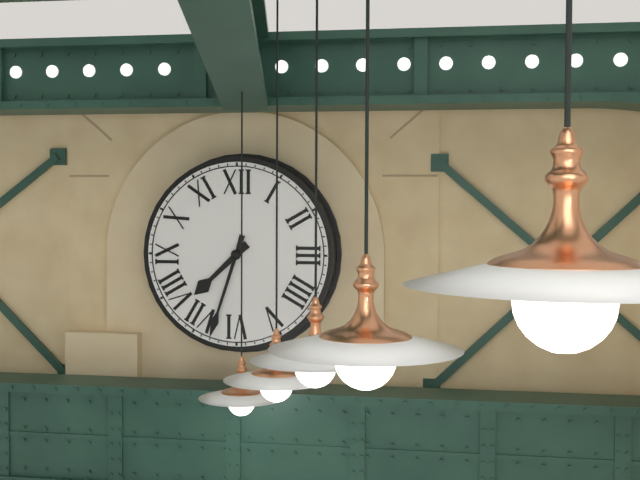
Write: 7:33
